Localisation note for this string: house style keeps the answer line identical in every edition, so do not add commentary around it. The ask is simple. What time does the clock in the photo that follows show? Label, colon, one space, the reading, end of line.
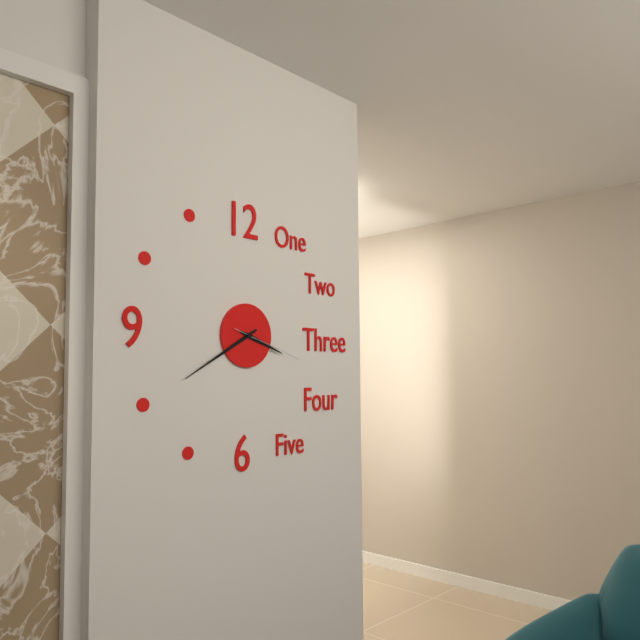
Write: 3:40:18
